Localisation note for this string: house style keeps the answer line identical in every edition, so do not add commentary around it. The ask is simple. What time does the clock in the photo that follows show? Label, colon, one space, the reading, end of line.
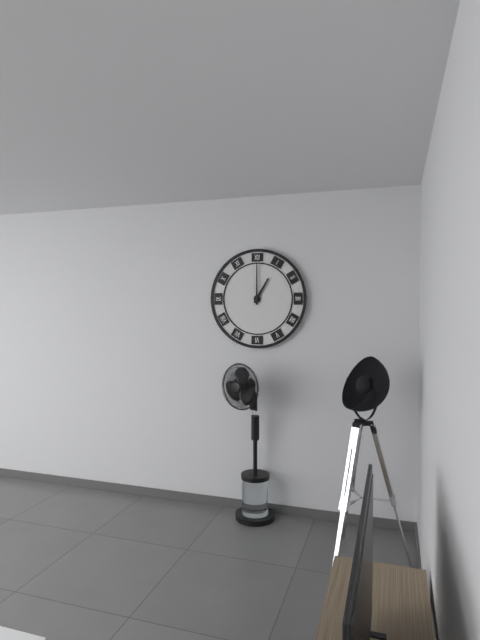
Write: 1:00
